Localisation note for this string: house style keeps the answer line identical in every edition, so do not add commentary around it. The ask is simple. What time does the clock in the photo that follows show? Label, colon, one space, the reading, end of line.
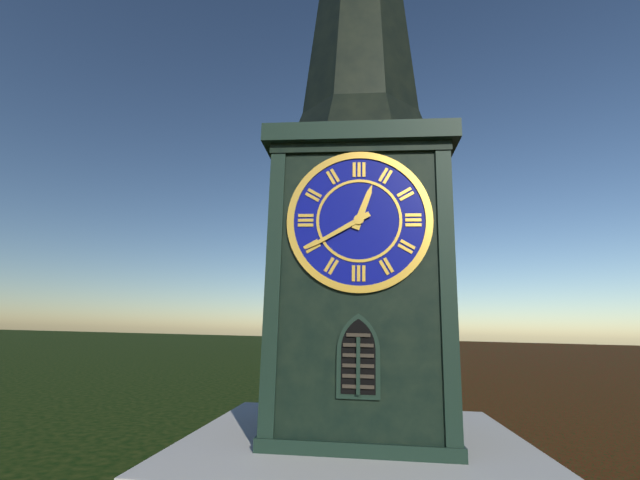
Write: 12:40
